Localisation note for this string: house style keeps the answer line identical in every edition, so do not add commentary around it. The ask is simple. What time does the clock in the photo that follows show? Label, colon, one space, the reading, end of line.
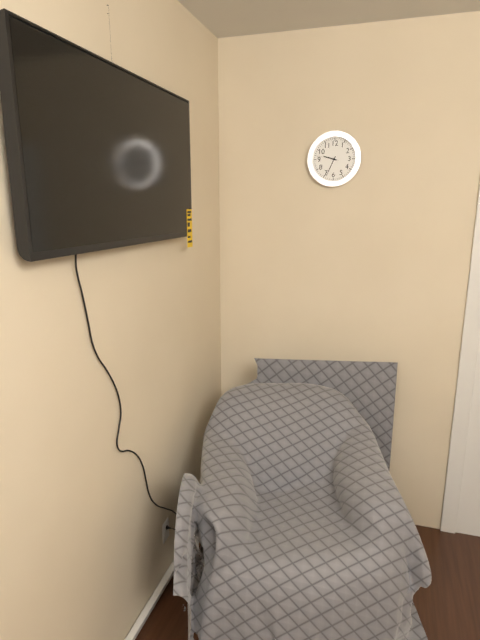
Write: 9:34
